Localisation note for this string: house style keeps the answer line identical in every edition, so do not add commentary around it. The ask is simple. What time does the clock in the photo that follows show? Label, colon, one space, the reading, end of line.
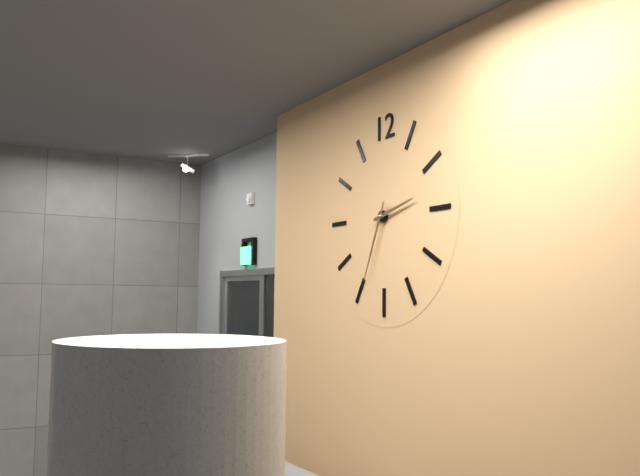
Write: 2:34
